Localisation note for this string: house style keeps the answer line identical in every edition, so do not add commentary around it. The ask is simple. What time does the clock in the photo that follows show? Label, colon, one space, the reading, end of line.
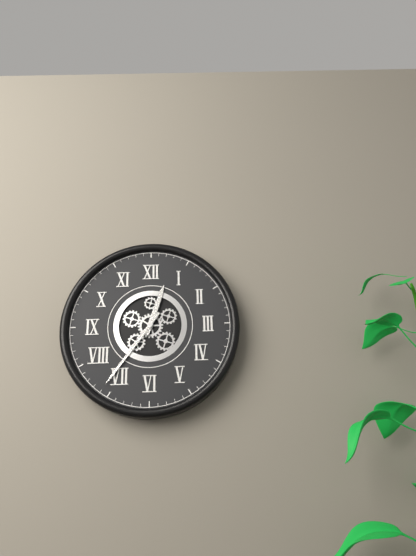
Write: 12:36
